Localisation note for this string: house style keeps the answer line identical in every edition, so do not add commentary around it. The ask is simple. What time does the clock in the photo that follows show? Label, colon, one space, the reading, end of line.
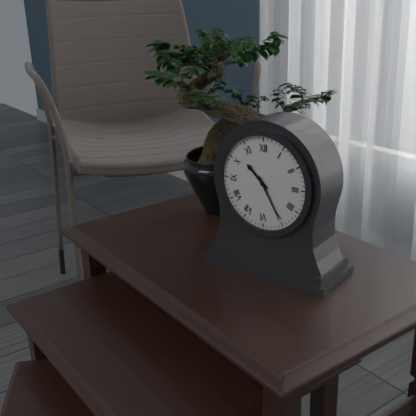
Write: 10:25
